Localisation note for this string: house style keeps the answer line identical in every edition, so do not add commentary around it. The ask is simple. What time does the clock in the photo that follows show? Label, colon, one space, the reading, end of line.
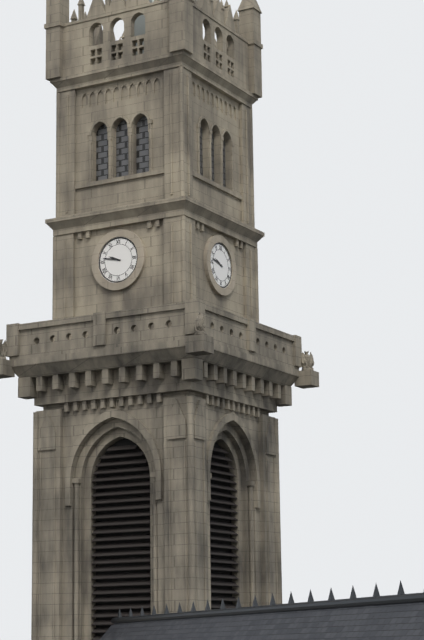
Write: 9:47
